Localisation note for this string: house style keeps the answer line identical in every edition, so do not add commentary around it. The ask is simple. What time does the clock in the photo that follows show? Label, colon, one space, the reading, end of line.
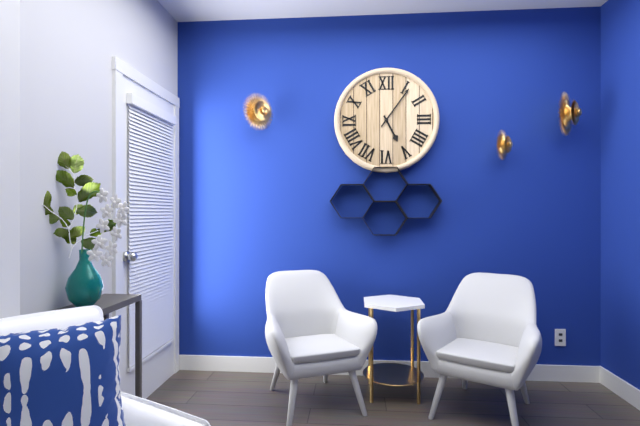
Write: 5:06
